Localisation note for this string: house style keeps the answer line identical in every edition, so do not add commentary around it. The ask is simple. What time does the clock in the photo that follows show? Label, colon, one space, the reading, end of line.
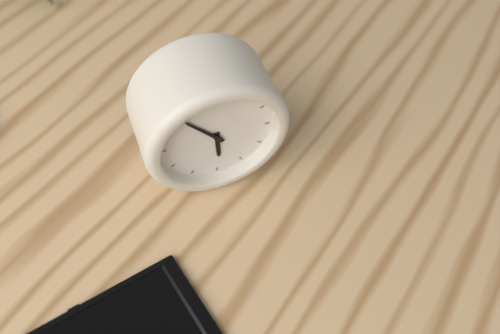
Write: 5:53
